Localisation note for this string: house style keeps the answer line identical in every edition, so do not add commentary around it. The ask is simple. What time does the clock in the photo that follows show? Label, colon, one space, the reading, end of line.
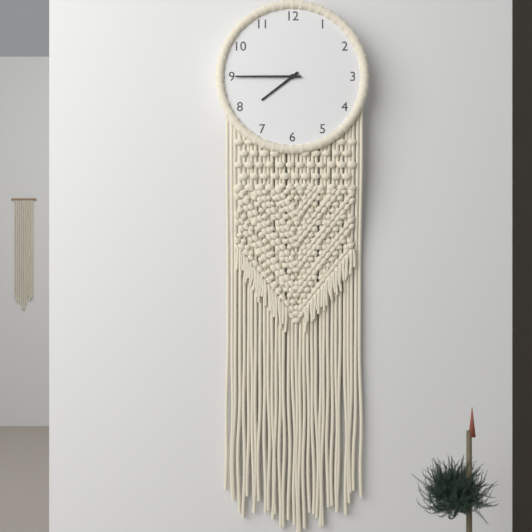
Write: 7:45
